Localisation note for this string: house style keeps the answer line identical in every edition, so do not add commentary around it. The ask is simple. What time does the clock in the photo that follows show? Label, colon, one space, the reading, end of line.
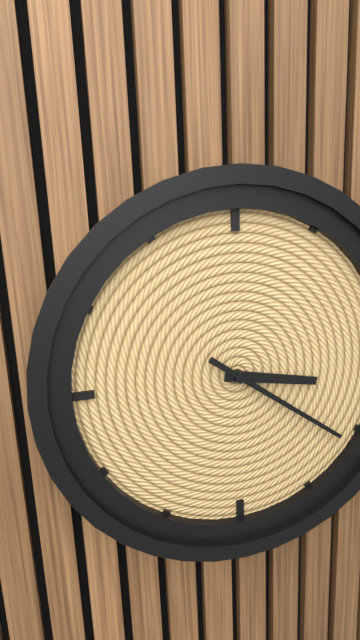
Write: 3:21
